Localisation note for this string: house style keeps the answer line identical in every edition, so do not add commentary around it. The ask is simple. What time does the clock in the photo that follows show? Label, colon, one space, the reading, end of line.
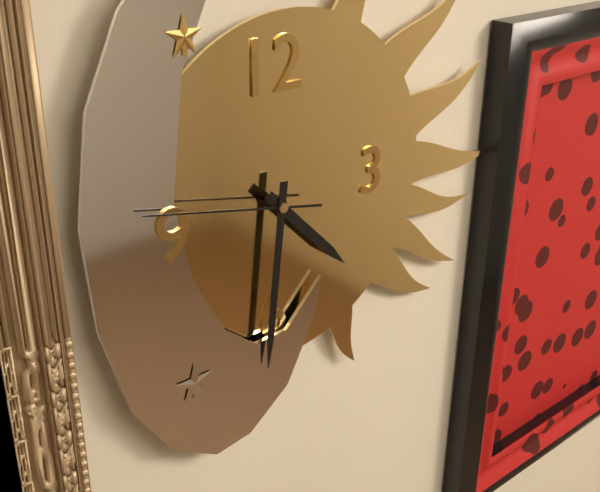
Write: 4:31:47
